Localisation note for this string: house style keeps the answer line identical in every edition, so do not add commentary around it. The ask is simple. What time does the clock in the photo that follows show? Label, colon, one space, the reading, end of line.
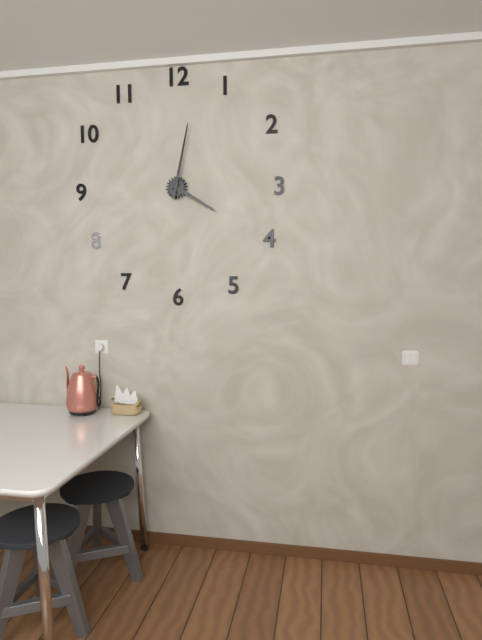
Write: 4:02
